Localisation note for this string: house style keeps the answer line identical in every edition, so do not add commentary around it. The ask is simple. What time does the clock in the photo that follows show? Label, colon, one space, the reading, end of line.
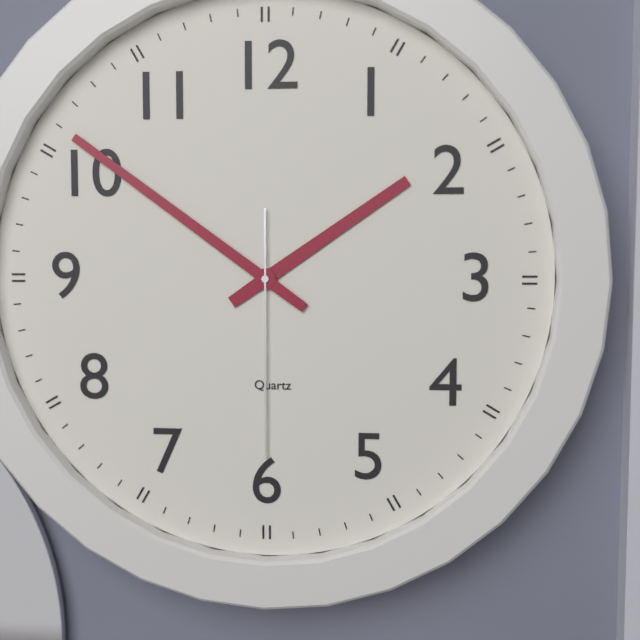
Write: 1:51:30
